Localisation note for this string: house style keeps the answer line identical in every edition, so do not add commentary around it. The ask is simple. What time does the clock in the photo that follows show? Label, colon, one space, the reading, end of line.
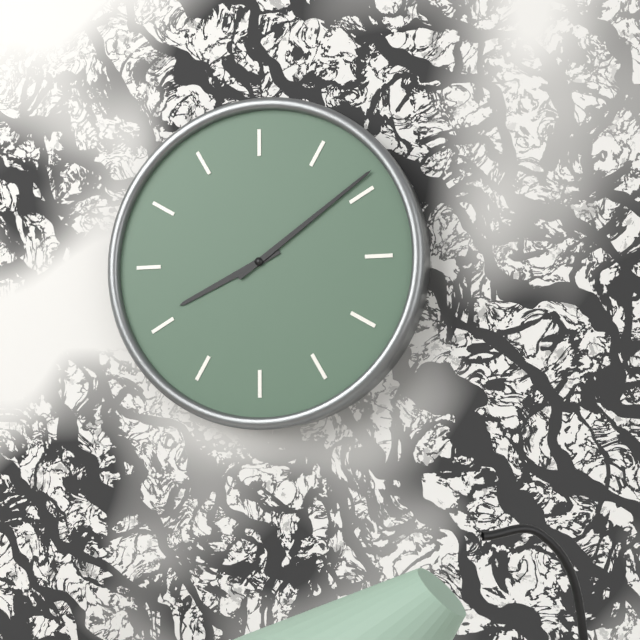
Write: 8:09
